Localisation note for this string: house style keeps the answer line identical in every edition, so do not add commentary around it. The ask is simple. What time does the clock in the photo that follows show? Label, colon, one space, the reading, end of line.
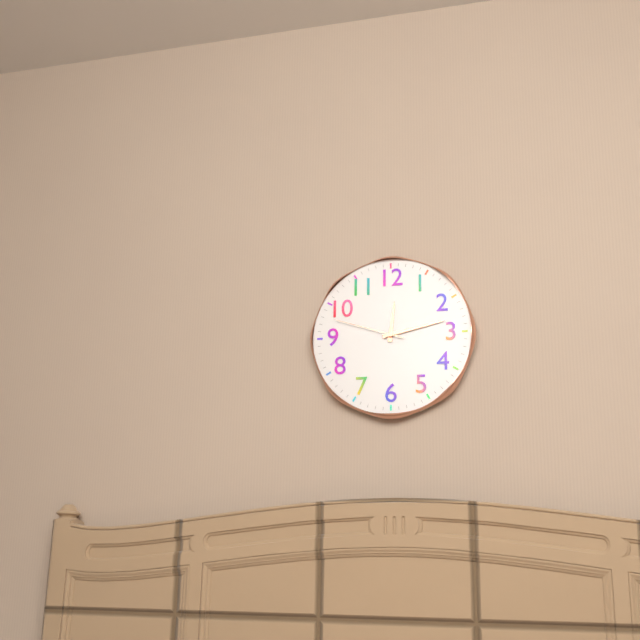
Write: 12:13:48
